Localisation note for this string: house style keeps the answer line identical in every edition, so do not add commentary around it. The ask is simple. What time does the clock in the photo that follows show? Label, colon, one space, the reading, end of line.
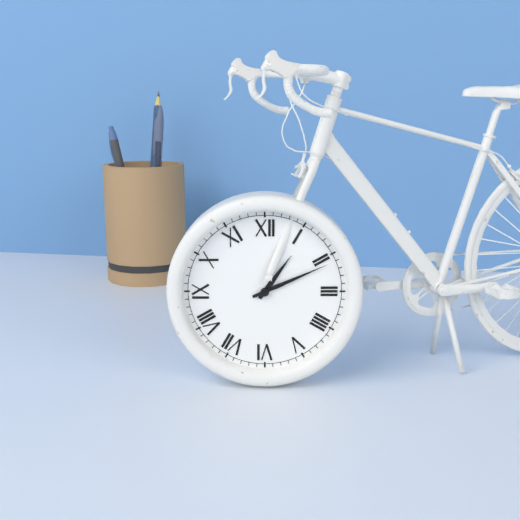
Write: 1:11
